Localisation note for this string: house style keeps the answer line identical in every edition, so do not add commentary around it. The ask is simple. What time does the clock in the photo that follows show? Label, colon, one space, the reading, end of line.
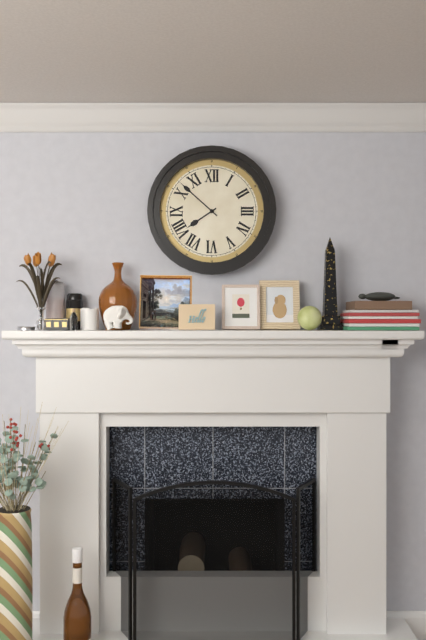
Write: 7:52
